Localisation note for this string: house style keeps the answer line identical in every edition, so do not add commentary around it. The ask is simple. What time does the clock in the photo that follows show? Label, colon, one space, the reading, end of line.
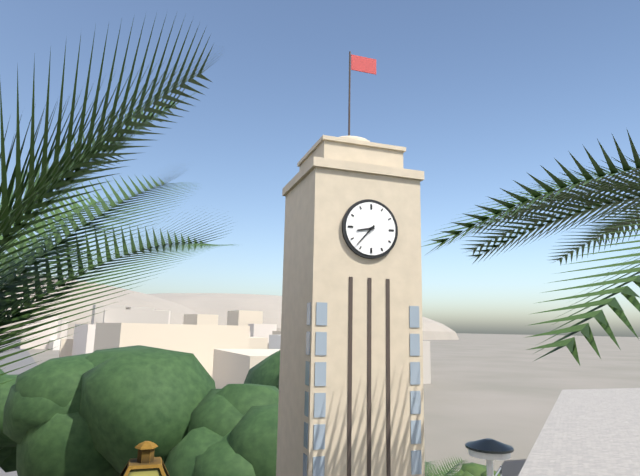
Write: 8:37
